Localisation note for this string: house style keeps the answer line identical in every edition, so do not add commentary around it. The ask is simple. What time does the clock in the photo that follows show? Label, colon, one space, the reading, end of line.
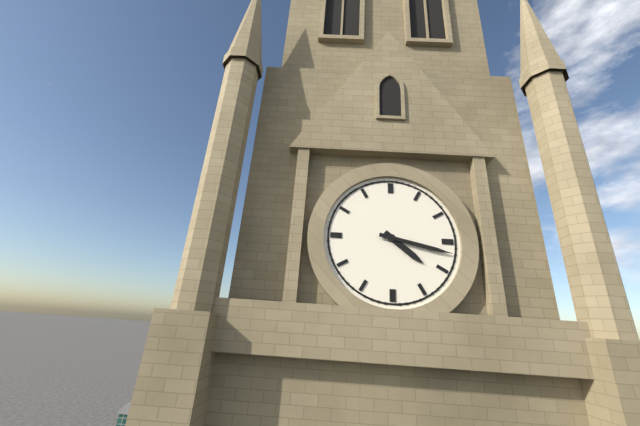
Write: 4:17
